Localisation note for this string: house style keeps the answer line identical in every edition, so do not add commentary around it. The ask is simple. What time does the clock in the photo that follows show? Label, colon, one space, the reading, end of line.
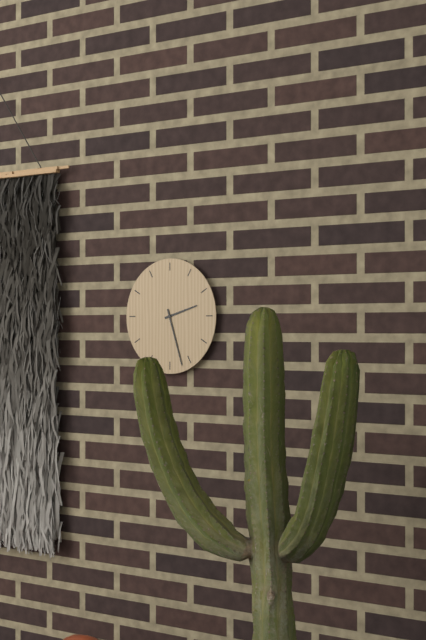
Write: 2:27
